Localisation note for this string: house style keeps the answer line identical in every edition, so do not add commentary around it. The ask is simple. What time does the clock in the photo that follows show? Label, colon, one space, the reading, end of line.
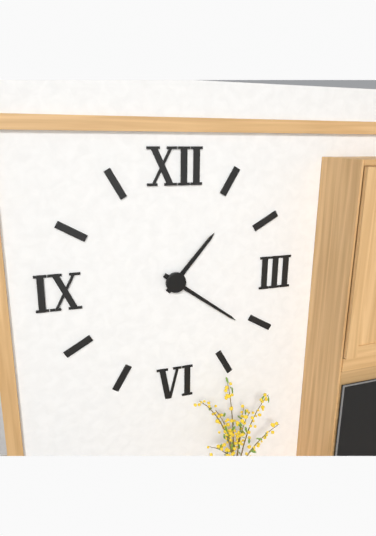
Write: 1:21
